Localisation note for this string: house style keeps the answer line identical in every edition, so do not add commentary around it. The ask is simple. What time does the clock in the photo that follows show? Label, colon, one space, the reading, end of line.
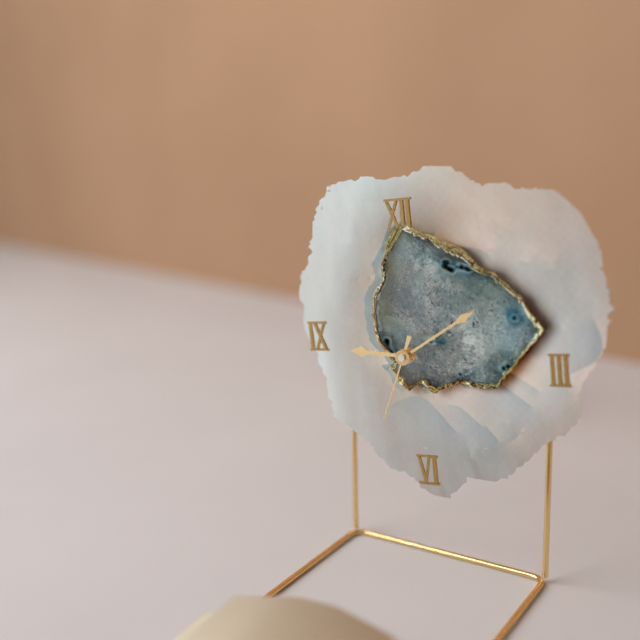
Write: 9:10:34
